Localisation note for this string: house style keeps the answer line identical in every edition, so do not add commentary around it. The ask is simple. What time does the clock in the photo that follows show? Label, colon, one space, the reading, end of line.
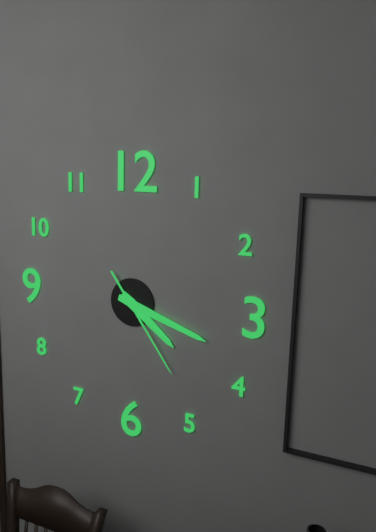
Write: 4:18:24
